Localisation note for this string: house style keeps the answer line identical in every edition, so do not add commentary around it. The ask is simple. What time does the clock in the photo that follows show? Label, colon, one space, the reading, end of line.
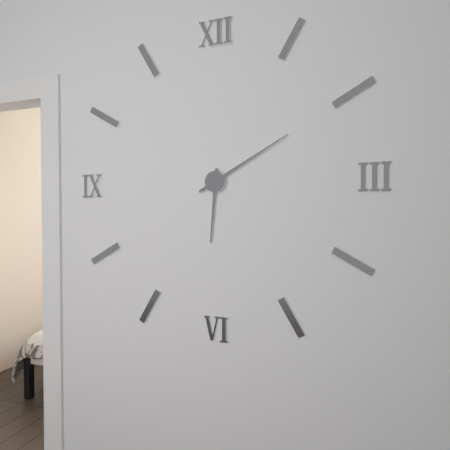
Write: 6:10
